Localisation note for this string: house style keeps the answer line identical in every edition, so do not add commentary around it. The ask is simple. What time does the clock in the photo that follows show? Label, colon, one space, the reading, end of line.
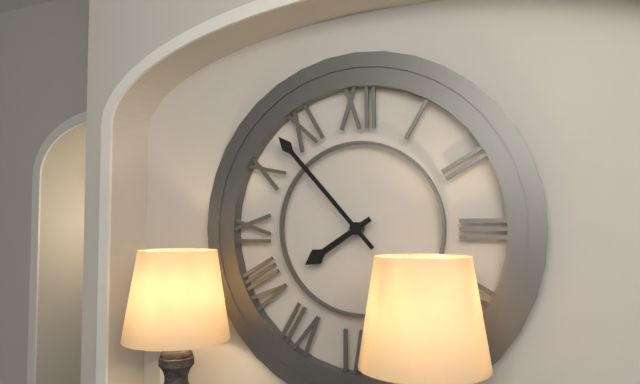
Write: 7:53
